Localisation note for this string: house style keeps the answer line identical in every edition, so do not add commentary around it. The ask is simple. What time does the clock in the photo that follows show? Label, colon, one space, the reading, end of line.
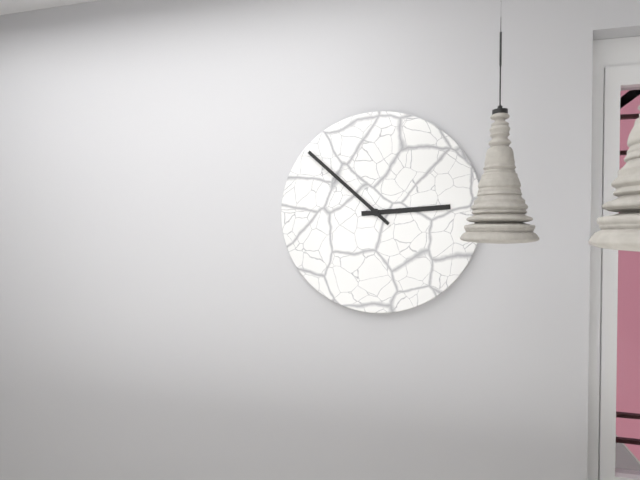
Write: 2:52
